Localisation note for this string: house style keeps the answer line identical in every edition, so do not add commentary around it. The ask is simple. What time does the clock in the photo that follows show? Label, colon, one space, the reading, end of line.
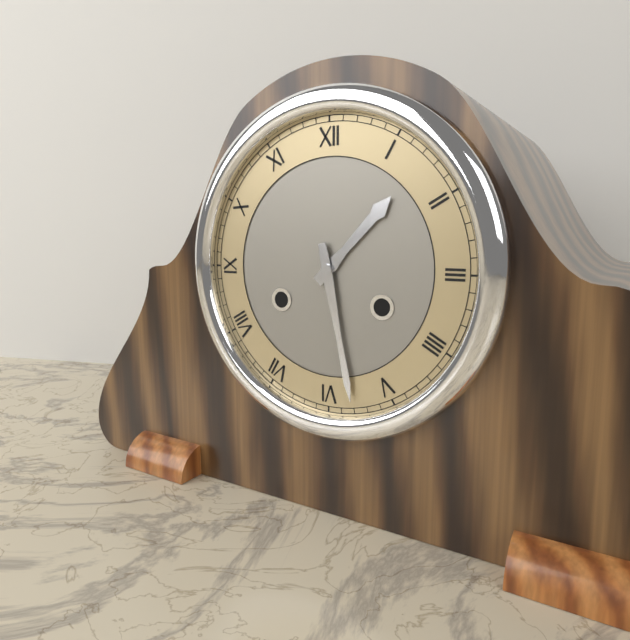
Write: 1:28
